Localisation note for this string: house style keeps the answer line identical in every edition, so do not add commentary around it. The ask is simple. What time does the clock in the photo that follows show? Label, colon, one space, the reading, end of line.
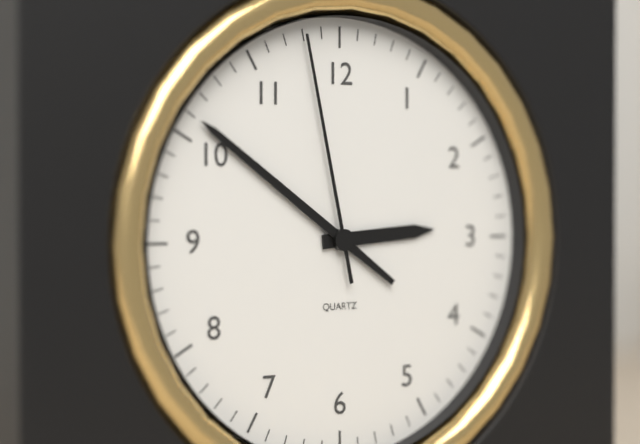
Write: 2:51:58
